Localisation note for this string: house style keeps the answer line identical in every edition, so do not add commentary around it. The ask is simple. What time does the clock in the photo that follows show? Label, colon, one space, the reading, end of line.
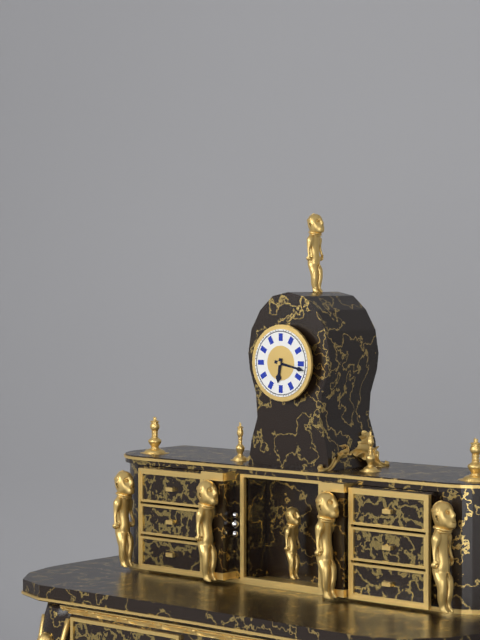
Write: 6:17
